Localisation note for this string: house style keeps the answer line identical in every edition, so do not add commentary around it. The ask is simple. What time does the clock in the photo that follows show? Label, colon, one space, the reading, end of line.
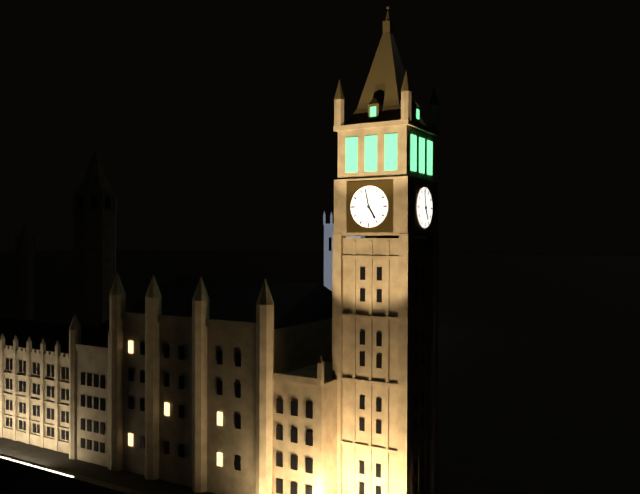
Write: 4:58
